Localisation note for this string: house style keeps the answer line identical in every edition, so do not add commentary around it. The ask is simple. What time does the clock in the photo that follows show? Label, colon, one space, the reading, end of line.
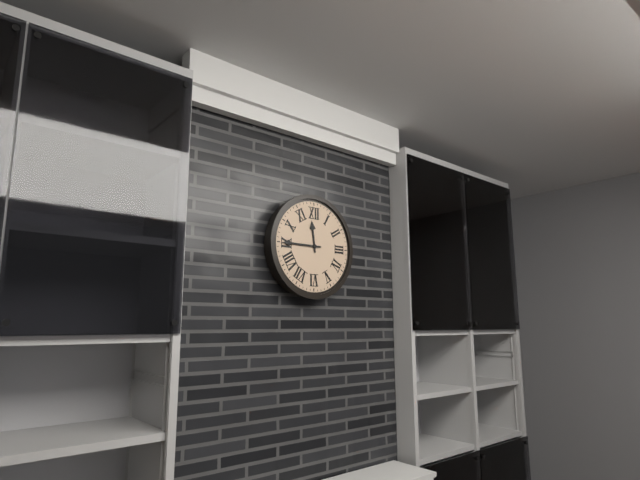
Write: 11:45
